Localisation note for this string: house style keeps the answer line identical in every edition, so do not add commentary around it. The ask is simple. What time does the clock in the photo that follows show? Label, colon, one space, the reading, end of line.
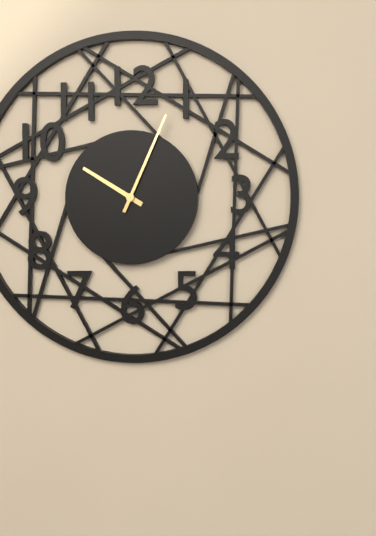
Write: 10:04
